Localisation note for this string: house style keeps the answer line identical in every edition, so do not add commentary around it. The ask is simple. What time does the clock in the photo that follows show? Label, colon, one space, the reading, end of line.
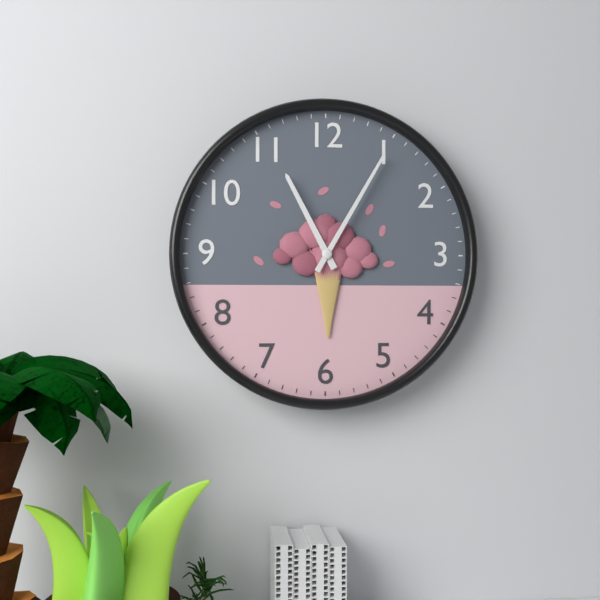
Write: 11:05
